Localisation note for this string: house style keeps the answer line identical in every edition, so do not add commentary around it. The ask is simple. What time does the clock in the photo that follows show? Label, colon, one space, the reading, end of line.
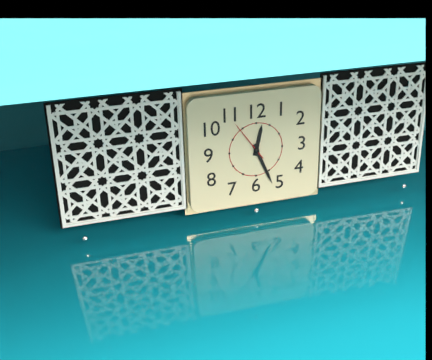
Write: 12:26
